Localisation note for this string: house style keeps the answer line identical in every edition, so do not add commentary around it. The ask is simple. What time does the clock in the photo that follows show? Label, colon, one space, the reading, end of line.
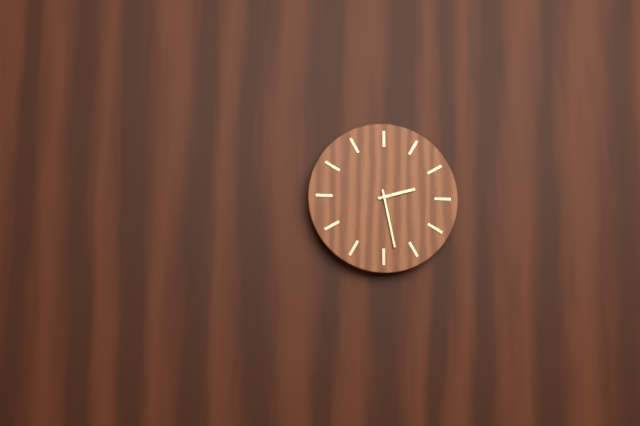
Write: 2:28
